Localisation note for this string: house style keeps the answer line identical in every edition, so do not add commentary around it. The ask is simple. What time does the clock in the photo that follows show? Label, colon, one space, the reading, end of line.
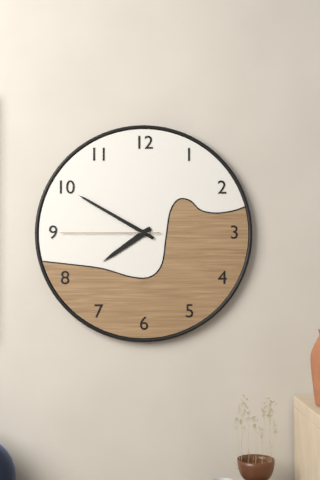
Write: 7:50:45
